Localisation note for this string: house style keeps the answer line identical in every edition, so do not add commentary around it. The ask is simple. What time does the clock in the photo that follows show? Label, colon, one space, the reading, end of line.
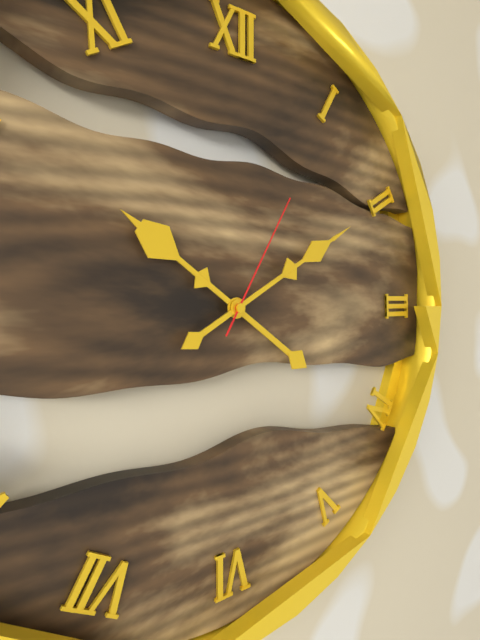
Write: 10:10:05
